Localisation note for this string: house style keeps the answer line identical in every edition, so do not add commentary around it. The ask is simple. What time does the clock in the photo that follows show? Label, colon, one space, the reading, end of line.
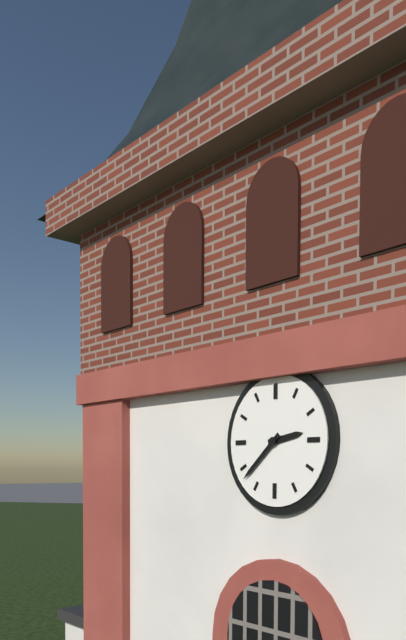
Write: 2:38
